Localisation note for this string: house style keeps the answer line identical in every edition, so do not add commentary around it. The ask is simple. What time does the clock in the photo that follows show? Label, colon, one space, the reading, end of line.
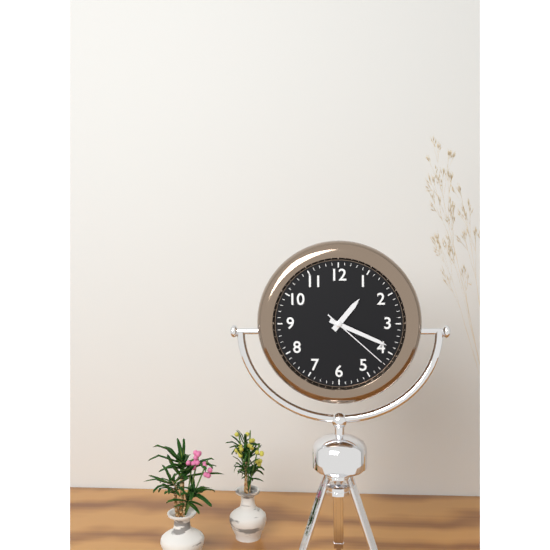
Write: 1:19:22
